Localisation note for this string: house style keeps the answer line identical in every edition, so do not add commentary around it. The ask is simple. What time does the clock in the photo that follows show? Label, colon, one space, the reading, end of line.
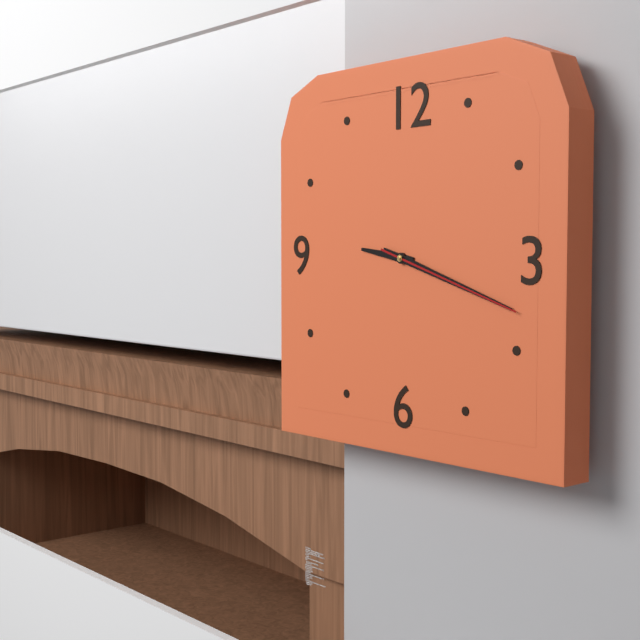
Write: 9:18:18
